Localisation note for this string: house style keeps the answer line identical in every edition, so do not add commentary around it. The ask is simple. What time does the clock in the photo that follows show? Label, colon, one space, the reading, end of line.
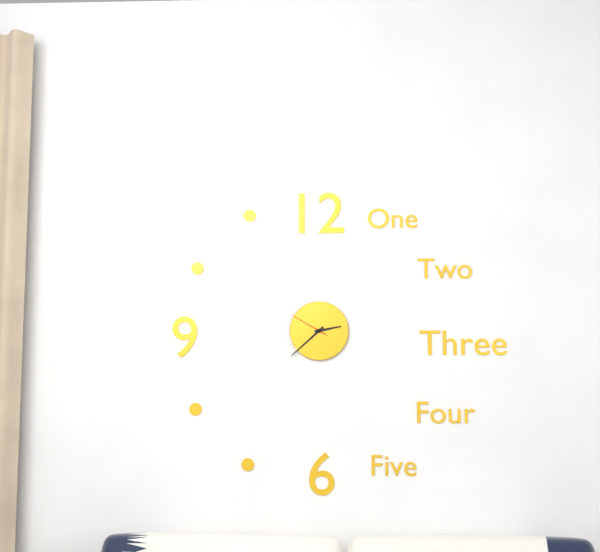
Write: 2:38
